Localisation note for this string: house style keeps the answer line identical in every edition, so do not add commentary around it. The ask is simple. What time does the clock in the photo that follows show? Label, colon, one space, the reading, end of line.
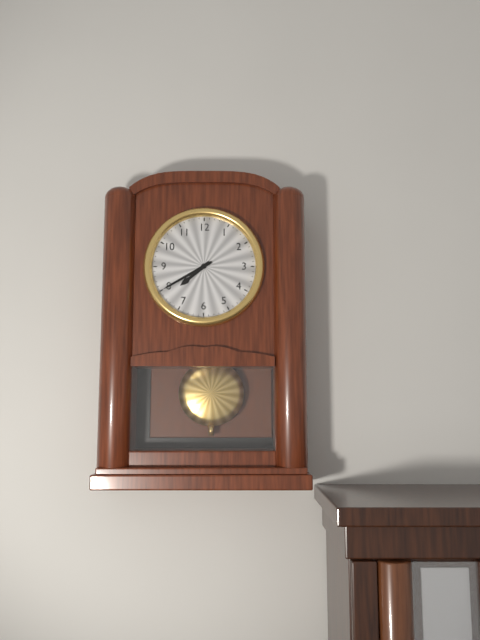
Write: 7:40
